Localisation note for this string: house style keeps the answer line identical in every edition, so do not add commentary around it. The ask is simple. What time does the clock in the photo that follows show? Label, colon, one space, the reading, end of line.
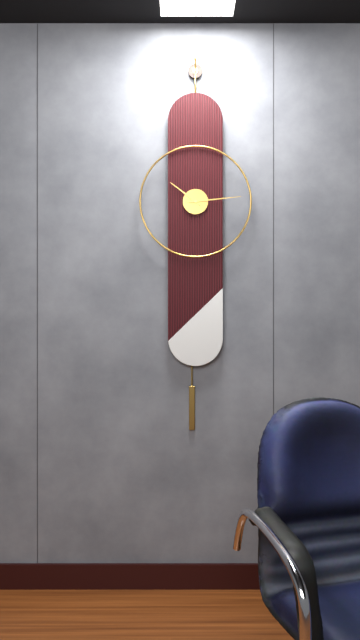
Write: 10:14
